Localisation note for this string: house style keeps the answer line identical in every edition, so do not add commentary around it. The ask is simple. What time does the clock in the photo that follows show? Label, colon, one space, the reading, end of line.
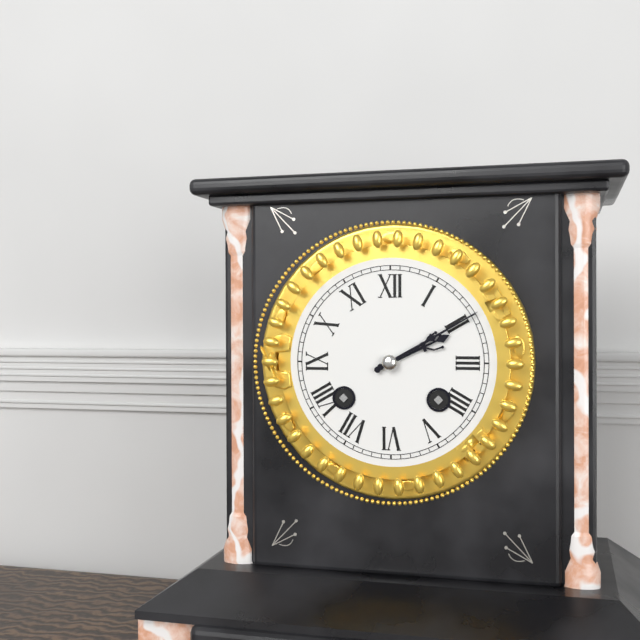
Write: 2:10
